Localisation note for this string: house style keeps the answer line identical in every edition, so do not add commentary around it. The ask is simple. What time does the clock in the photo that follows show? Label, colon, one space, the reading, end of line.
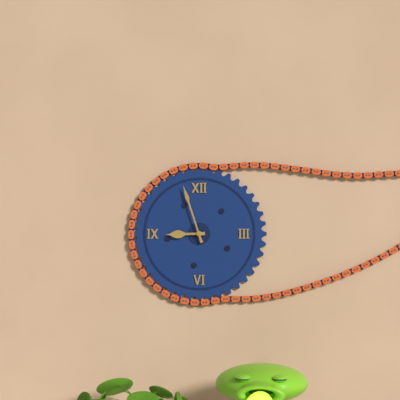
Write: 8:57
